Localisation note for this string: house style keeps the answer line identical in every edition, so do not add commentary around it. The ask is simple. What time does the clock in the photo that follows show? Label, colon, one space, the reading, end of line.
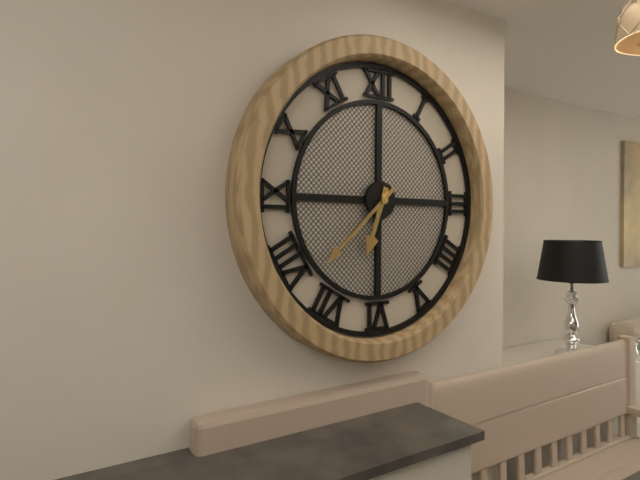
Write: 6:38
